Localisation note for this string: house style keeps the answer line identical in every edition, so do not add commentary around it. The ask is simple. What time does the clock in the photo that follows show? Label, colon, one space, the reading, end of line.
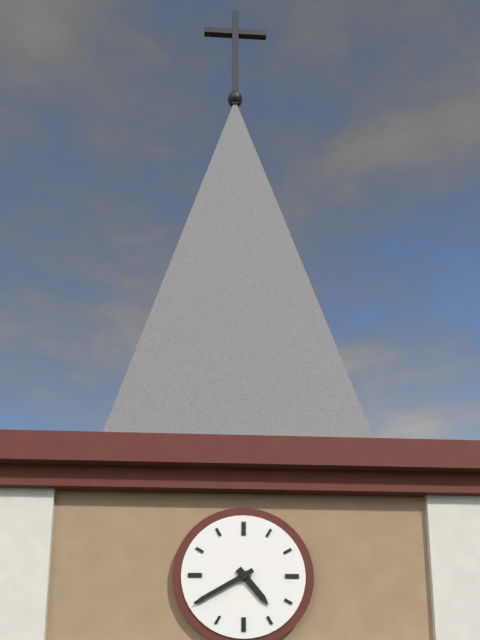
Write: 4:40
